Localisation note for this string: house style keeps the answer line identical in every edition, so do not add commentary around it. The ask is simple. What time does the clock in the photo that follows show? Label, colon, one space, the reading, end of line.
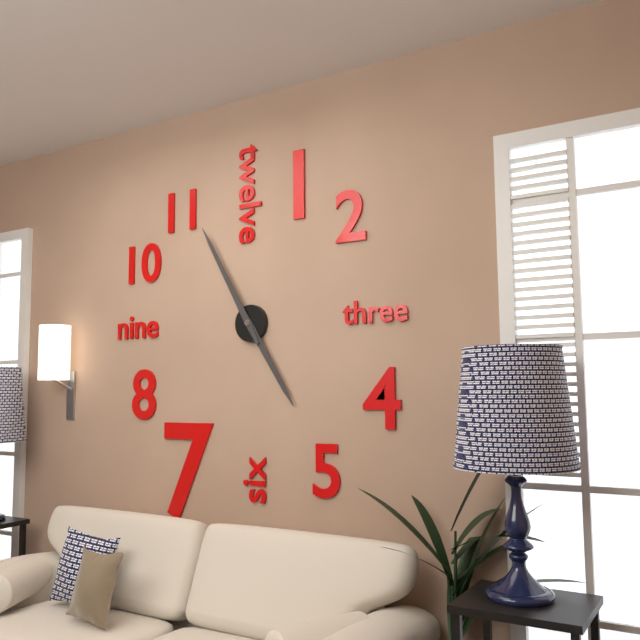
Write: 4:55
